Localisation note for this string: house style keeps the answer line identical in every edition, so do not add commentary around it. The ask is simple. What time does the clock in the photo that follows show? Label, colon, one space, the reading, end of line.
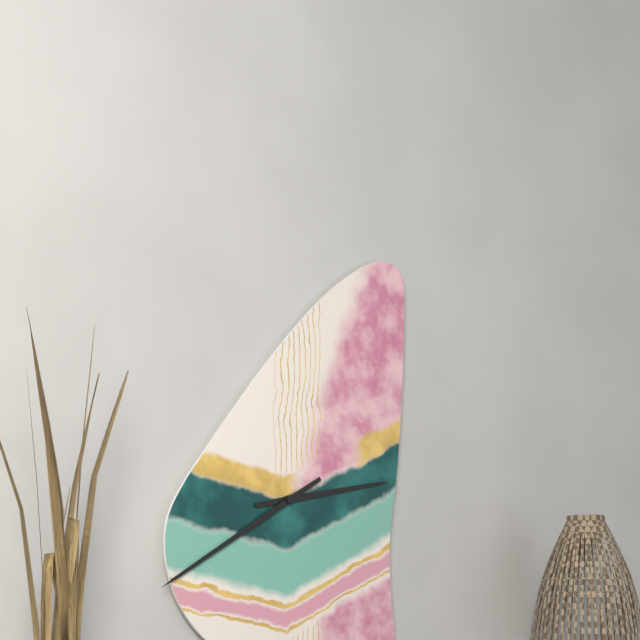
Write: 2:40
